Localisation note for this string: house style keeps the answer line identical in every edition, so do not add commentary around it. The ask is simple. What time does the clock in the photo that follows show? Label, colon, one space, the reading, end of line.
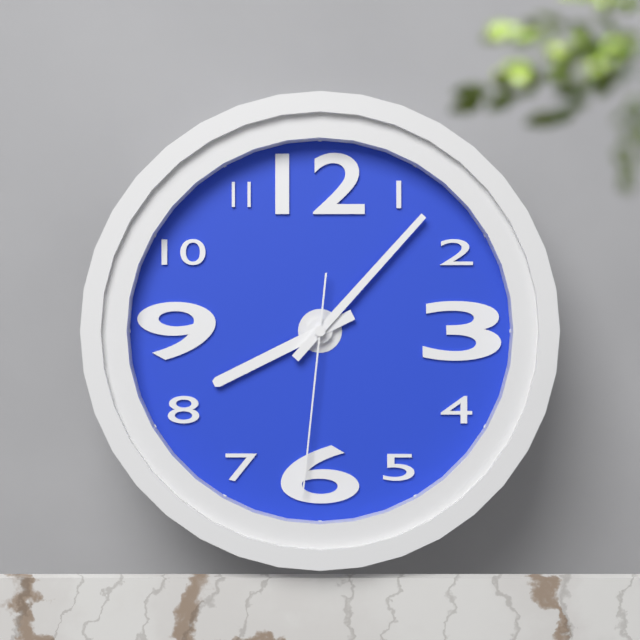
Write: 8:07:31
